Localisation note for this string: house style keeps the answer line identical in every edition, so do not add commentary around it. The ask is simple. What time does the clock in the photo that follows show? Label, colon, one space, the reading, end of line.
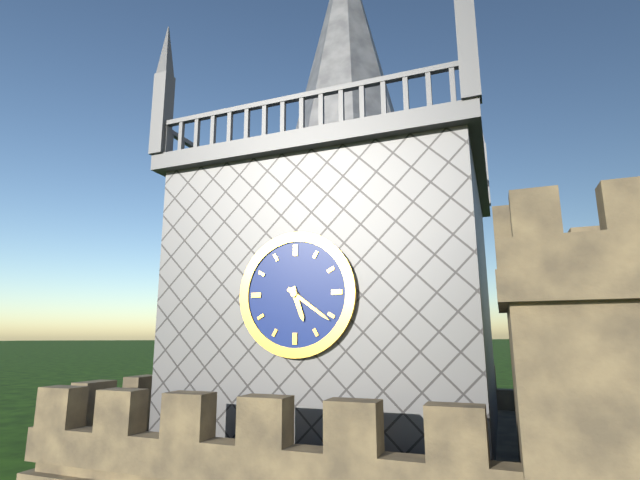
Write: 5:21
